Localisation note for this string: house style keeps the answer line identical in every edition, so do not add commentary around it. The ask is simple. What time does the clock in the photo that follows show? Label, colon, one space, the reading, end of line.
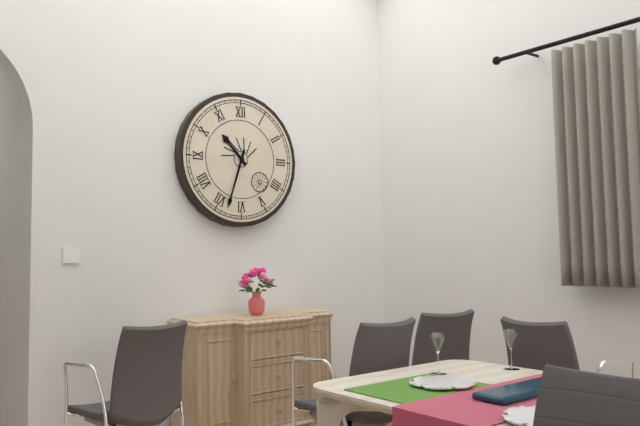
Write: 10:33
